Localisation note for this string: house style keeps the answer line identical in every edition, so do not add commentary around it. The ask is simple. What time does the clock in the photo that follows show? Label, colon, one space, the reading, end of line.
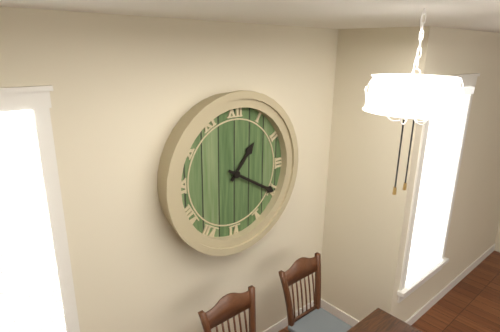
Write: 1:20
